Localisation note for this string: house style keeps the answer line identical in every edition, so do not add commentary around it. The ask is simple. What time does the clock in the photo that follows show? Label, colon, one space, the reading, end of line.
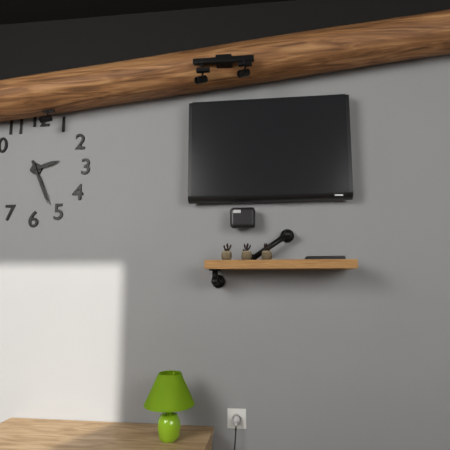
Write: 2:26
